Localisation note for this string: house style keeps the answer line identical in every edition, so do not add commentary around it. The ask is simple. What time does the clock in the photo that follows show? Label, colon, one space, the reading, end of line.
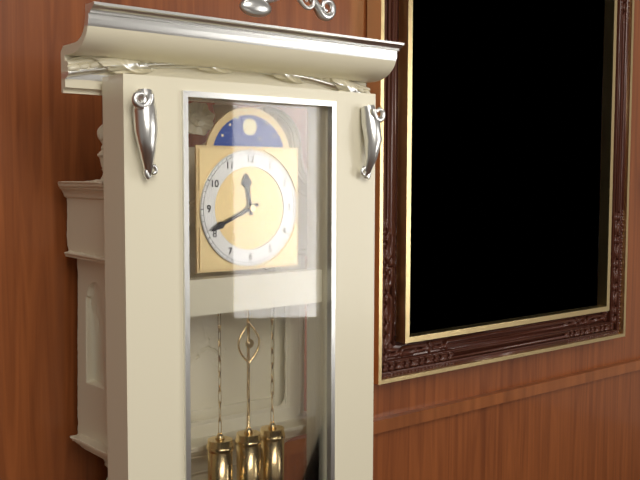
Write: 11:41
